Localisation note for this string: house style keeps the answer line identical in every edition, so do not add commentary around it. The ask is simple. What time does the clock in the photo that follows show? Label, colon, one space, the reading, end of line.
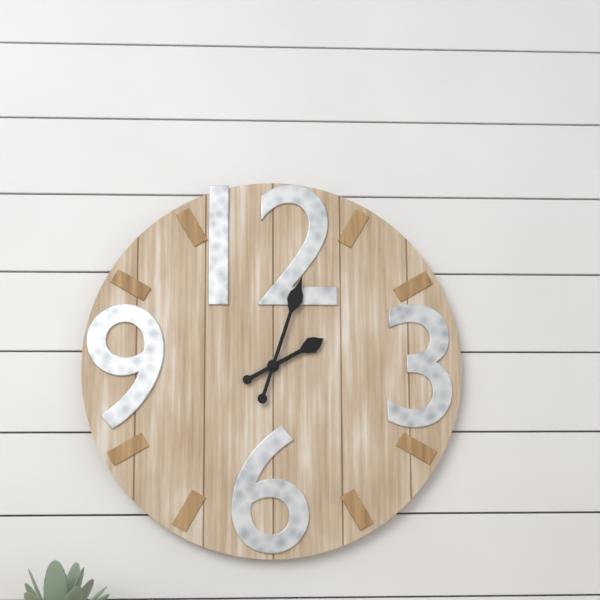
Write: 2:03
